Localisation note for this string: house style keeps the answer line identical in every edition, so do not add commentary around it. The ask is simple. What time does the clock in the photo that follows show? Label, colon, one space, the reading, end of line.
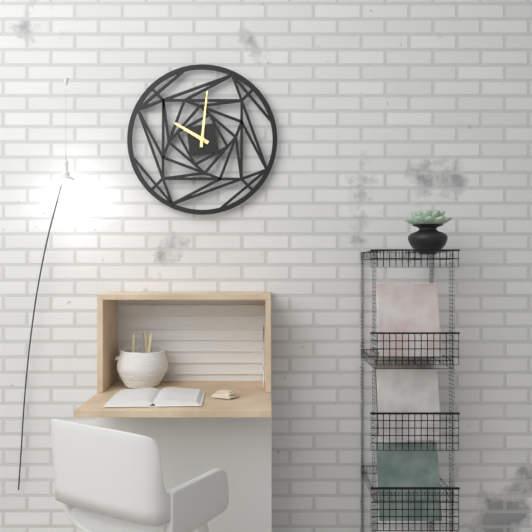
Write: 10:01
